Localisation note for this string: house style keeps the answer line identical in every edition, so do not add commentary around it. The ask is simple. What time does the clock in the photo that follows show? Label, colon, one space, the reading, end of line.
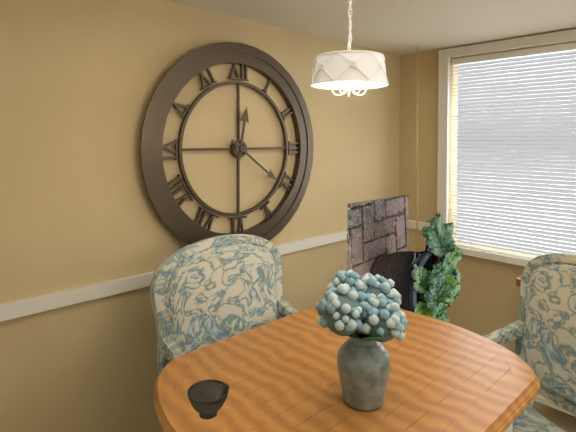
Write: 12:21
